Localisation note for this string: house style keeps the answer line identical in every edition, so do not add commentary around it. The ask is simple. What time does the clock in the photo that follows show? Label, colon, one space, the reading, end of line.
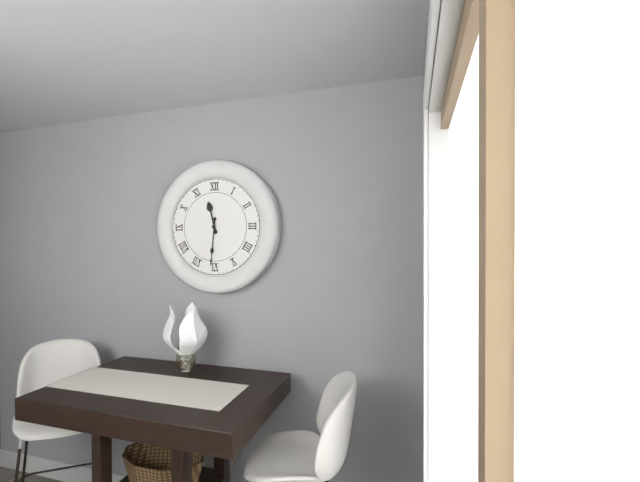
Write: 11:31
